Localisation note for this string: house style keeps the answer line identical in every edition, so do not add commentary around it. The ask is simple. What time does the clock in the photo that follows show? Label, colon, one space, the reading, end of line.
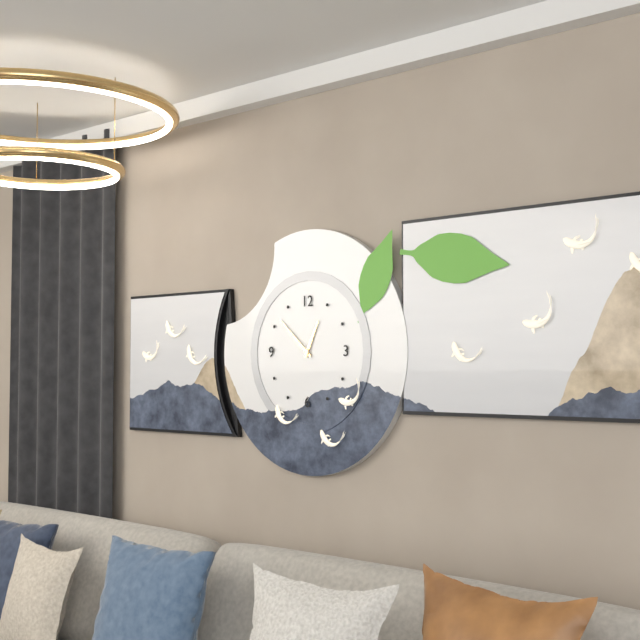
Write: 12:52
